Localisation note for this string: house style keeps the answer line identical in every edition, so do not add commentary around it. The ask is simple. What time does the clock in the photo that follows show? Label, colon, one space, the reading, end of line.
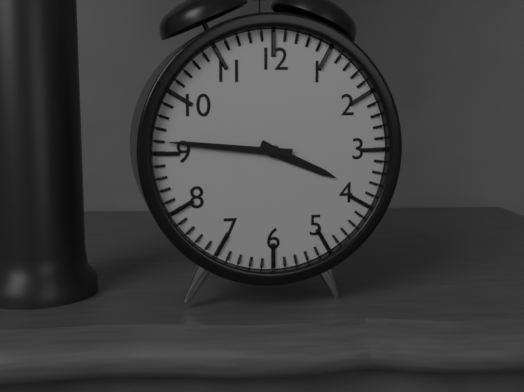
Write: 3:46
